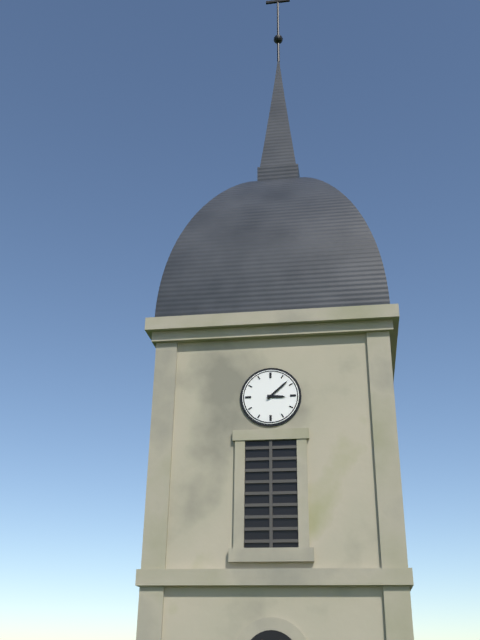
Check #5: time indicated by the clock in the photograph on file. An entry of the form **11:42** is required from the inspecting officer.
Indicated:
**3:08**
